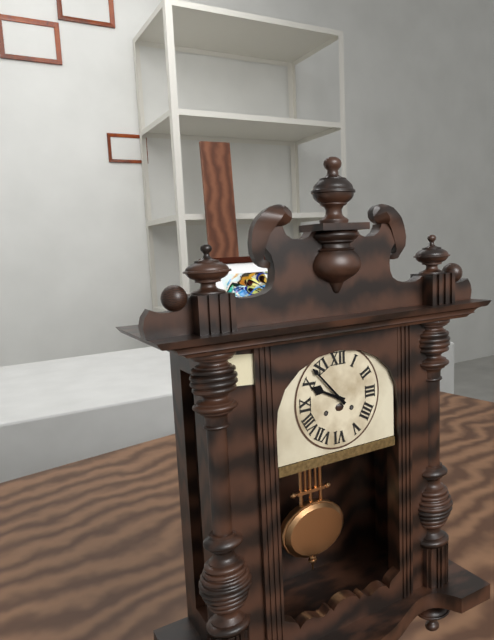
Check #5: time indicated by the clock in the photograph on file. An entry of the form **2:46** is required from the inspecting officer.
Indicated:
**9:53**
